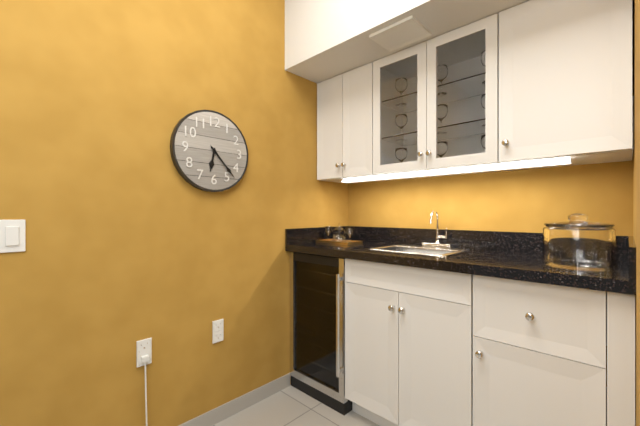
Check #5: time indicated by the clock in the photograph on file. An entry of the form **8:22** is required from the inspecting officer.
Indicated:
**6:23**
